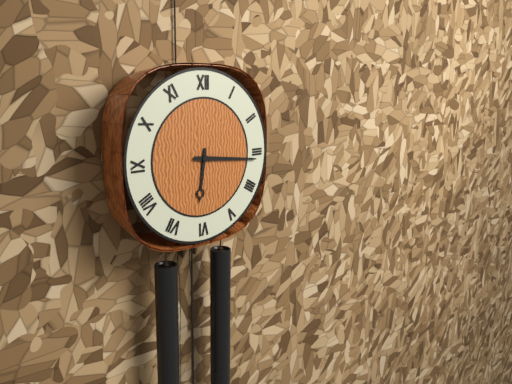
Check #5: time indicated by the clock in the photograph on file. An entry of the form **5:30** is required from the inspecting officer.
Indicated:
**6:16**
